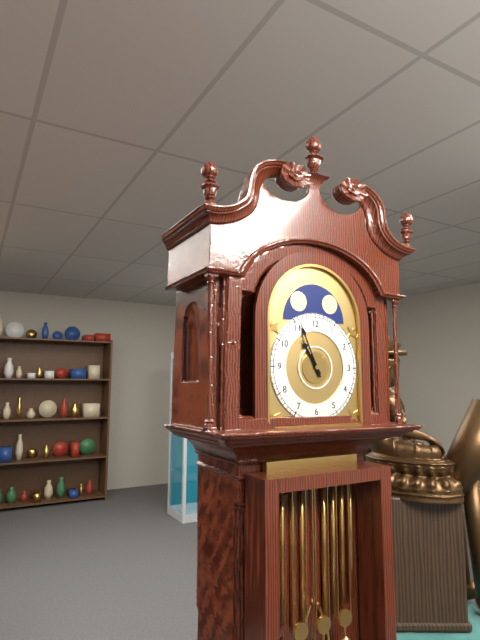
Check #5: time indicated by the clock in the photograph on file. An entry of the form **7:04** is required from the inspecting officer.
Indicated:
**10:56**
